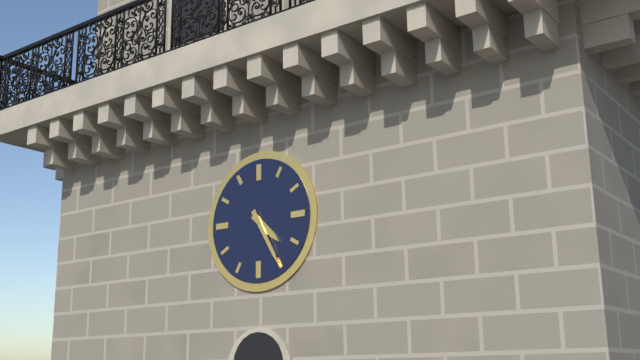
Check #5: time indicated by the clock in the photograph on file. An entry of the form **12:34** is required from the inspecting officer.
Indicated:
**4:25**
